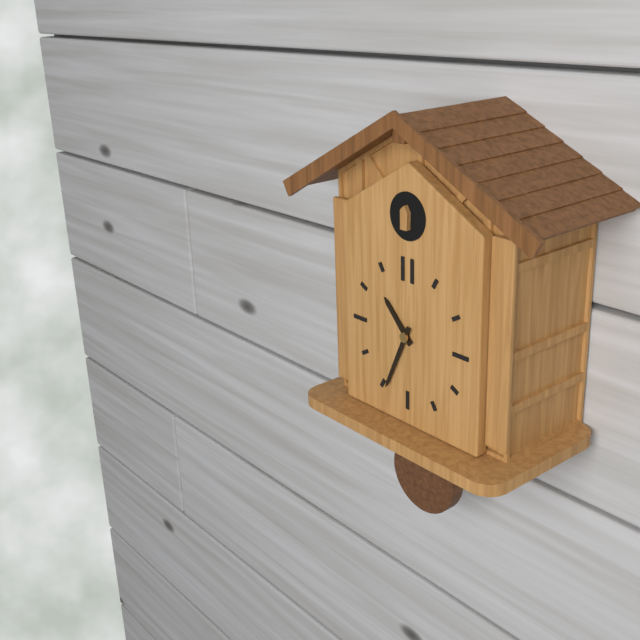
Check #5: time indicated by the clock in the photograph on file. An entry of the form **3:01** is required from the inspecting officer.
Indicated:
**10:34**
